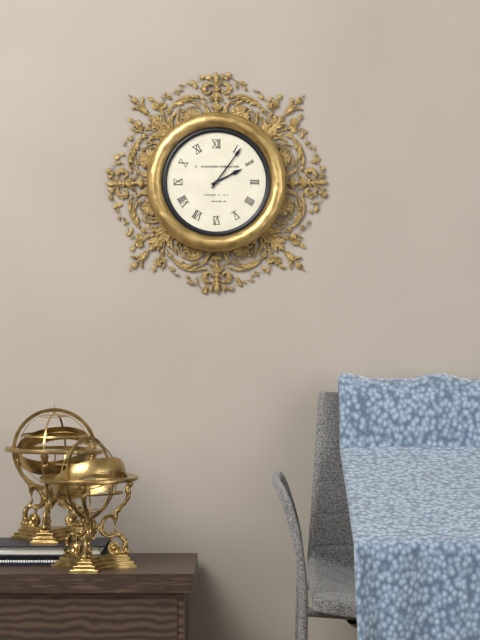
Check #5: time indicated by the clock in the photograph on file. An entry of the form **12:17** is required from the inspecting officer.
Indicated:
**2:06**
